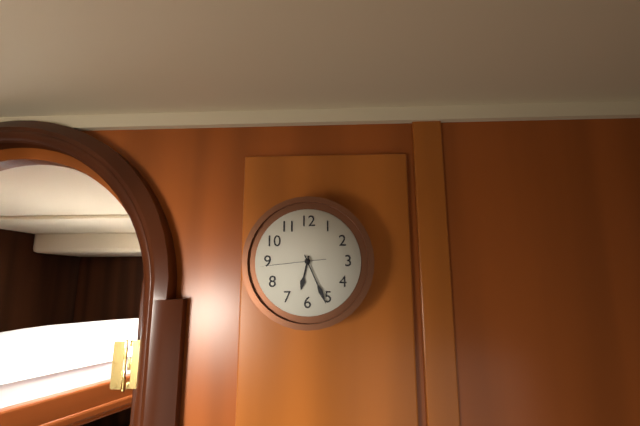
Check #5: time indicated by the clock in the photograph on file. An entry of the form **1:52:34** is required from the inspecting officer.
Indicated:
**6:26:44**
